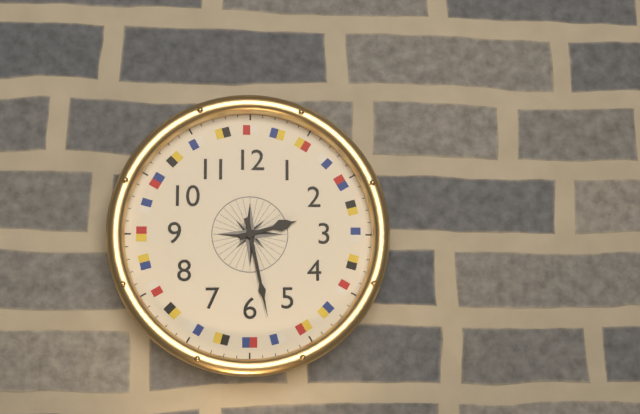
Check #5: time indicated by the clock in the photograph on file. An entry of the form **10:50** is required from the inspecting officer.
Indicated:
**2:28**
